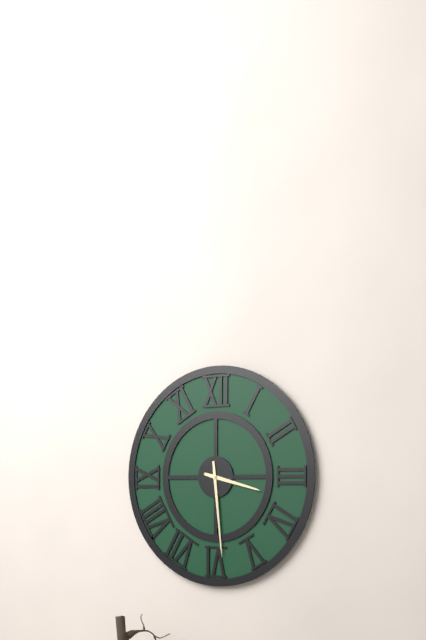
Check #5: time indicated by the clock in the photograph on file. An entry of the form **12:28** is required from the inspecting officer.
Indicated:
**3:29**
